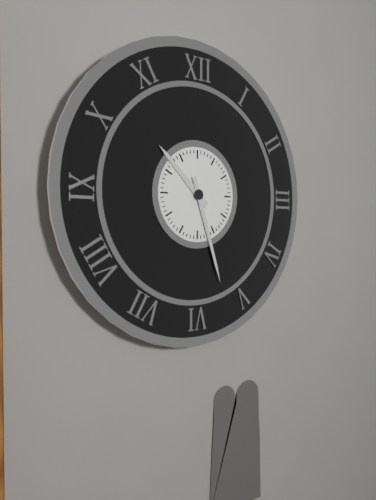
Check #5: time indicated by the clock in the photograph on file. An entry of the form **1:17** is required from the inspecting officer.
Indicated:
**10:27**
